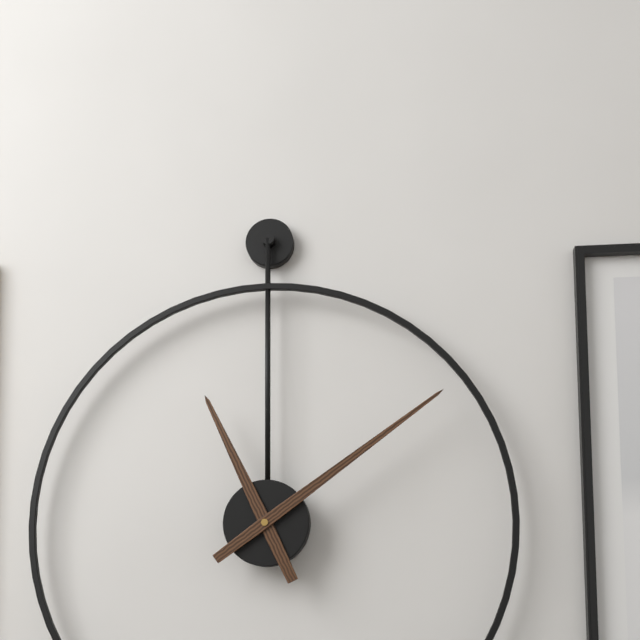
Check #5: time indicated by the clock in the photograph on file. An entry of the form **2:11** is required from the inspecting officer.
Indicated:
**11:09**
